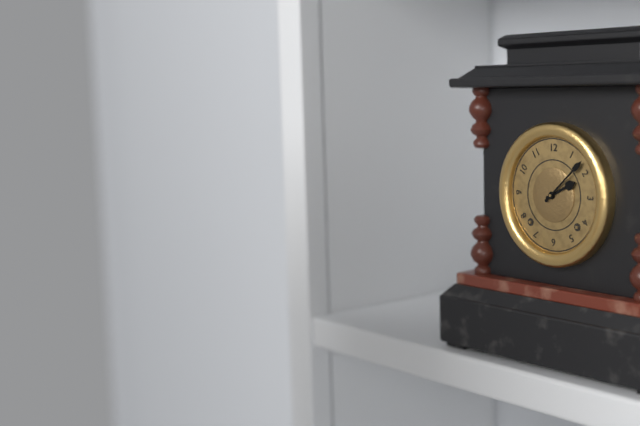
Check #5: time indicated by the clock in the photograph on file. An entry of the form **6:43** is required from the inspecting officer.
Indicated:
**2:08**
